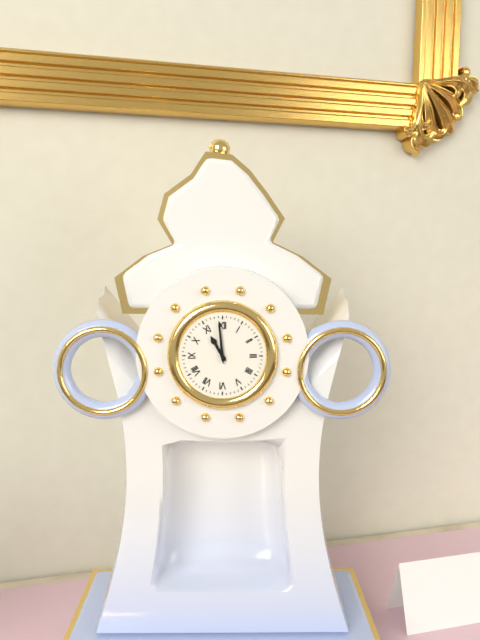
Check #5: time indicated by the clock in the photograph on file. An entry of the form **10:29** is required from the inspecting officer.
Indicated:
**10:59**
